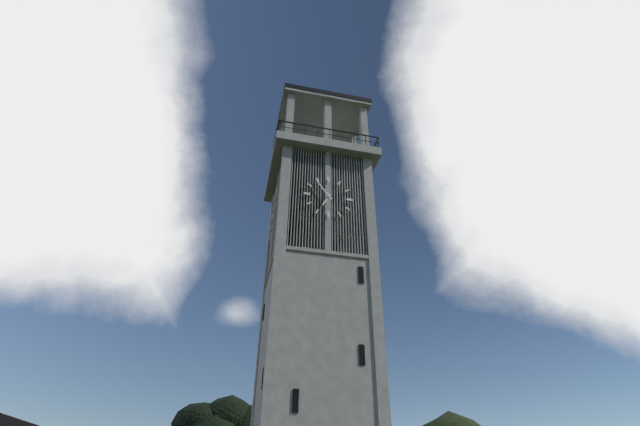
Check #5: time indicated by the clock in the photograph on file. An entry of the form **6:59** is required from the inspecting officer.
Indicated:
**6:54**
